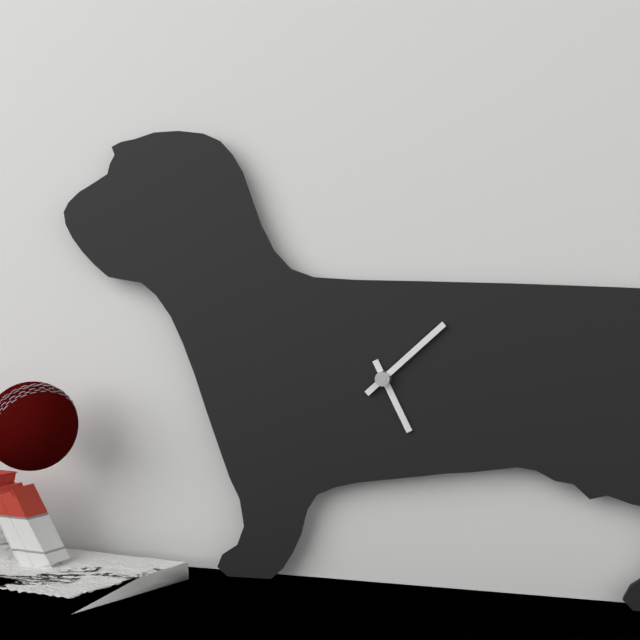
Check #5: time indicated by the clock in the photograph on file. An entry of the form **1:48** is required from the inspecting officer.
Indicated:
**5:08**
